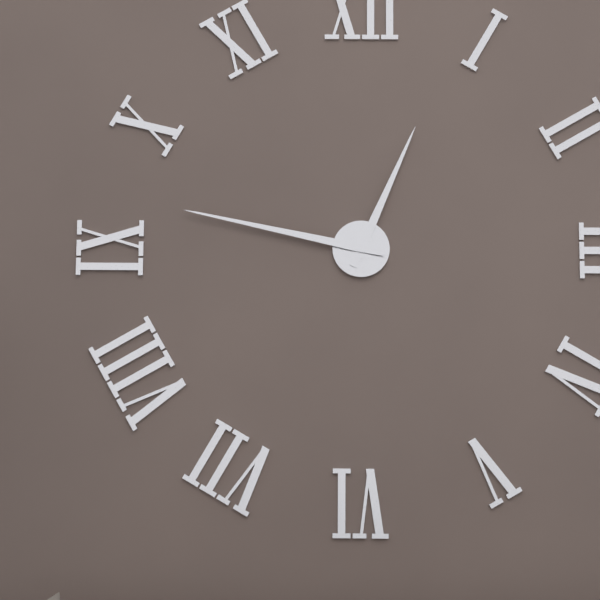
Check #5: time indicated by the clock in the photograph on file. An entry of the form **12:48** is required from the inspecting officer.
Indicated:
**12:47**
